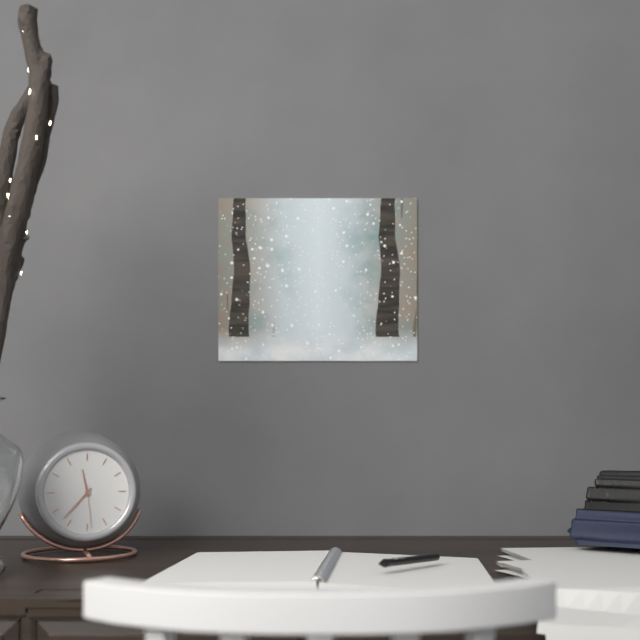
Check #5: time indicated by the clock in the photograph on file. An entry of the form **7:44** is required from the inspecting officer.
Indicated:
**11:37**
